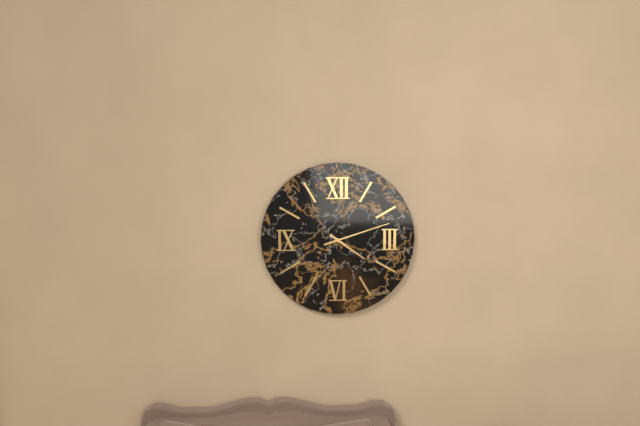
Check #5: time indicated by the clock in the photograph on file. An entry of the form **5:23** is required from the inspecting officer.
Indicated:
**4:12**
